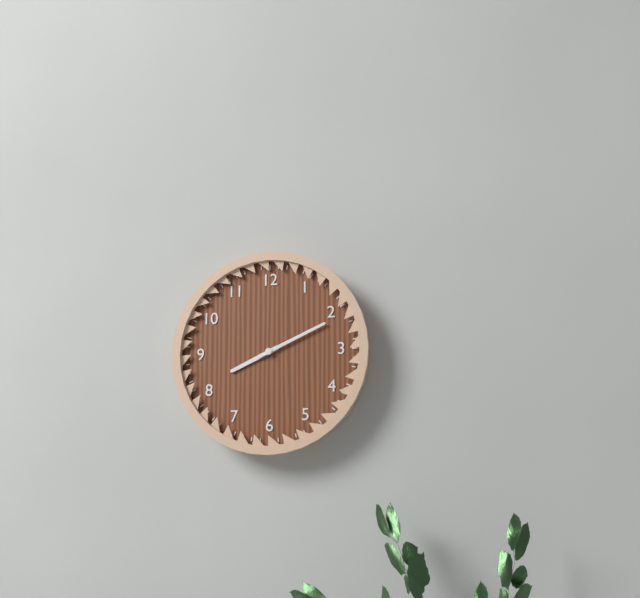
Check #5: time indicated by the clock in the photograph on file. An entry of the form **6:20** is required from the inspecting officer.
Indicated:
**8:11**
